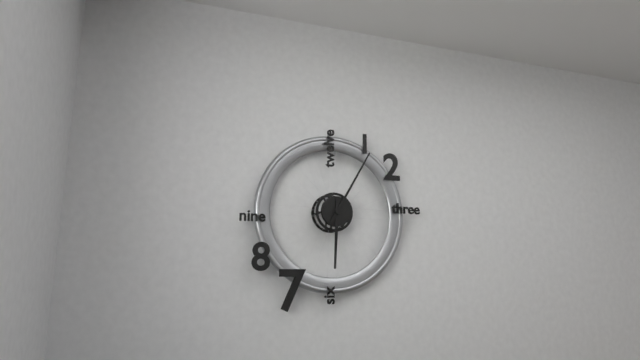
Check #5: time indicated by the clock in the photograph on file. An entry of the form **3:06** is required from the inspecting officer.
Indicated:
**6:05**
